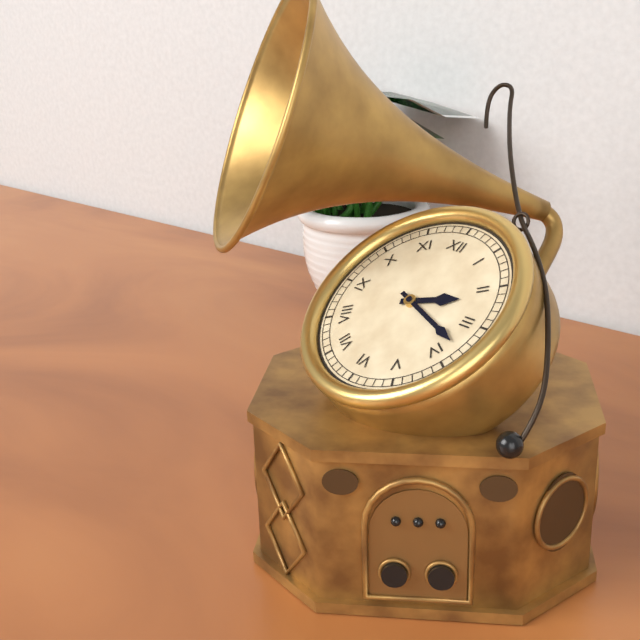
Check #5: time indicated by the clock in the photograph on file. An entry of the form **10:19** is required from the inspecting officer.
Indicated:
**2:18**
